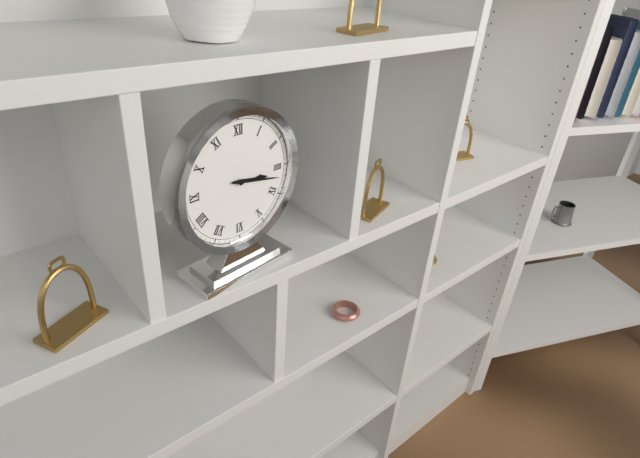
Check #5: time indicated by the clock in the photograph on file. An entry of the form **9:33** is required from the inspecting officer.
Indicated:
**3:17**
